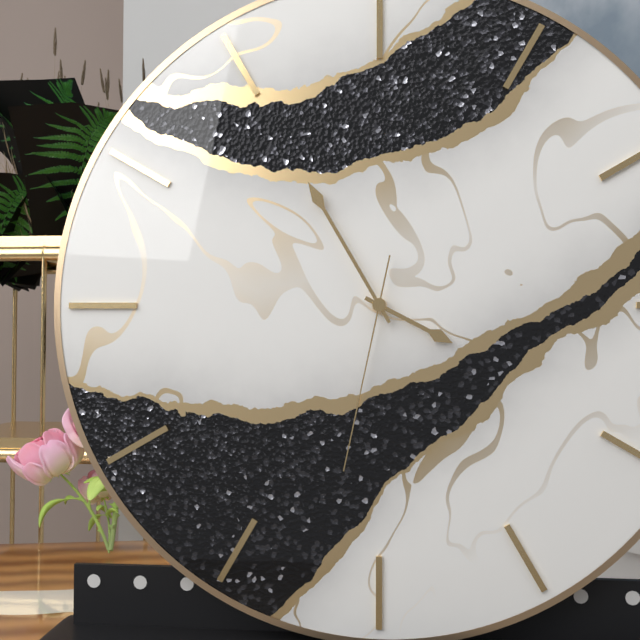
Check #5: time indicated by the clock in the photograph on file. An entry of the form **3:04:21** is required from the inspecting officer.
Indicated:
**3:55:32**
